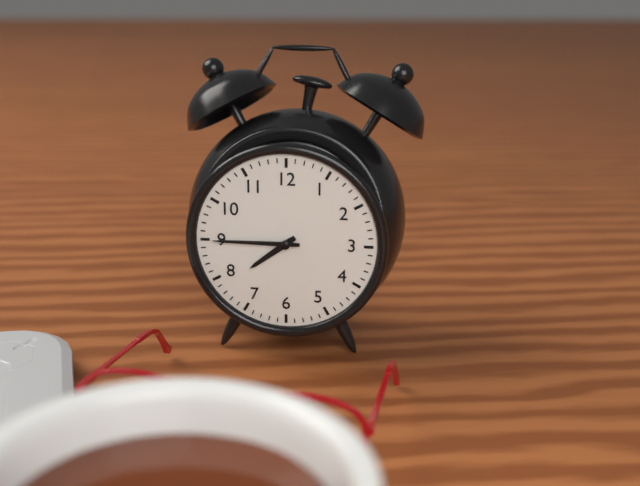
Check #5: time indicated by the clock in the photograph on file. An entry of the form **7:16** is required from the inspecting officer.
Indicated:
**7:45**
